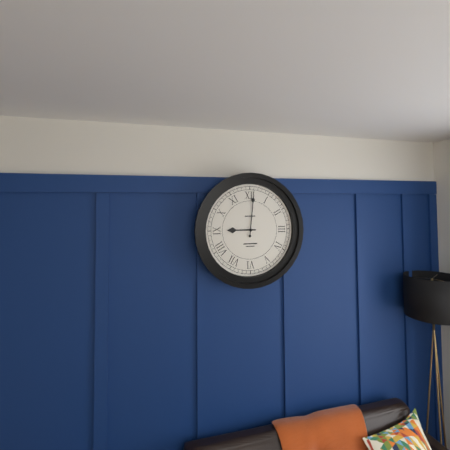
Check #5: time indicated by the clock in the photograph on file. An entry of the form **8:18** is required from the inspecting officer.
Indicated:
**9:01**
